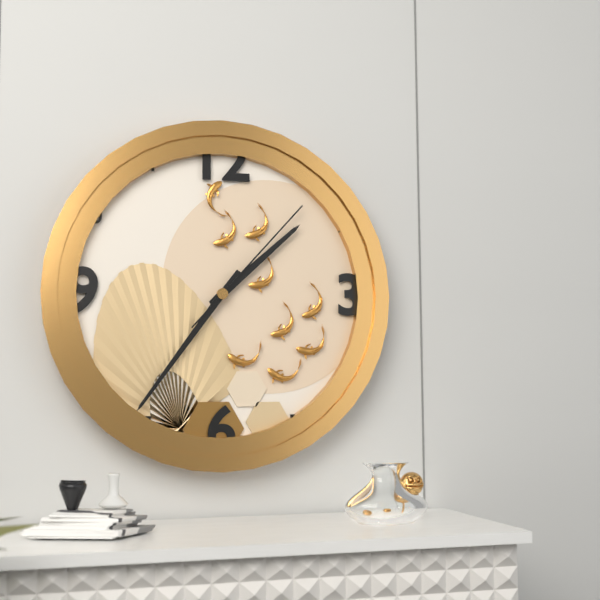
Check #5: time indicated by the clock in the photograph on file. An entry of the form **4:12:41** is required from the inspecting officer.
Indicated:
**1:36:07**
